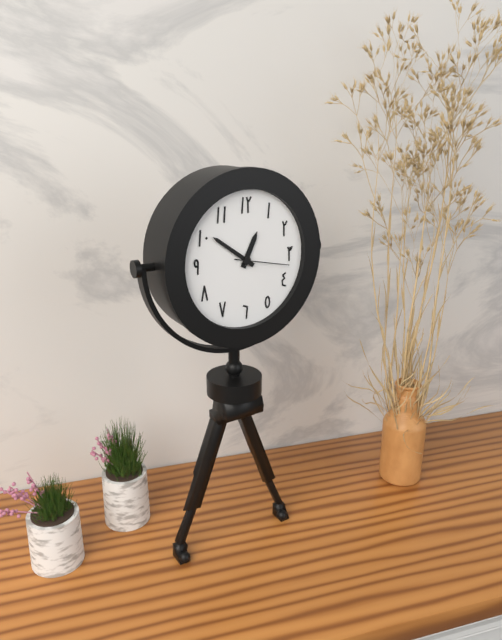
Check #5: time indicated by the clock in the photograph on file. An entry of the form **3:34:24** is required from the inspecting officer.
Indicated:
**12:51:17**
